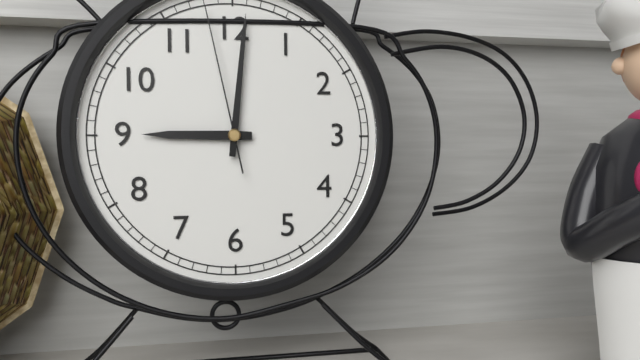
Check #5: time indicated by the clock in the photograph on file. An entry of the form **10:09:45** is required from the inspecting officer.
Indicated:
**9:01:58**
